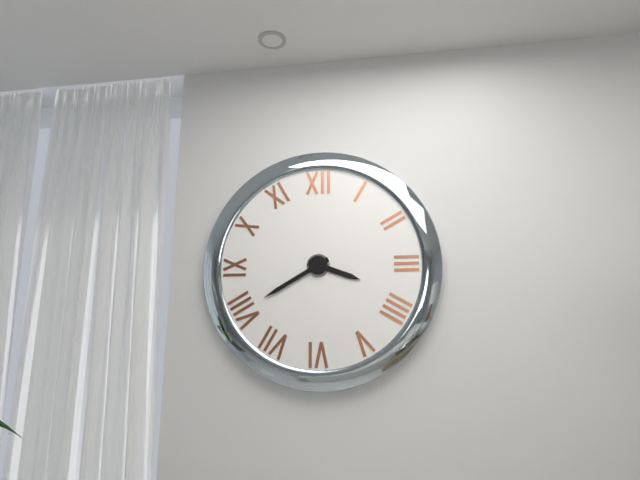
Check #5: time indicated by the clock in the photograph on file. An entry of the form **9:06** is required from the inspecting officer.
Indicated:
**3:40**
